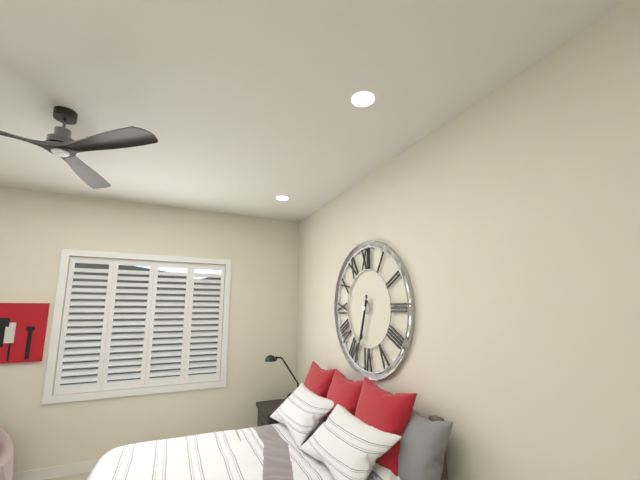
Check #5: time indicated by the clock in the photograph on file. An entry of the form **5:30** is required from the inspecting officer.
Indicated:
**6:33**
